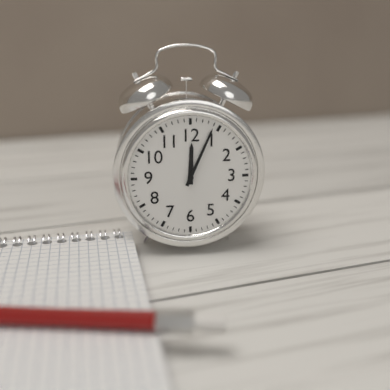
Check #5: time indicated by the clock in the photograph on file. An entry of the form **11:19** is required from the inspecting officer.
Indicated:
**12:04**
